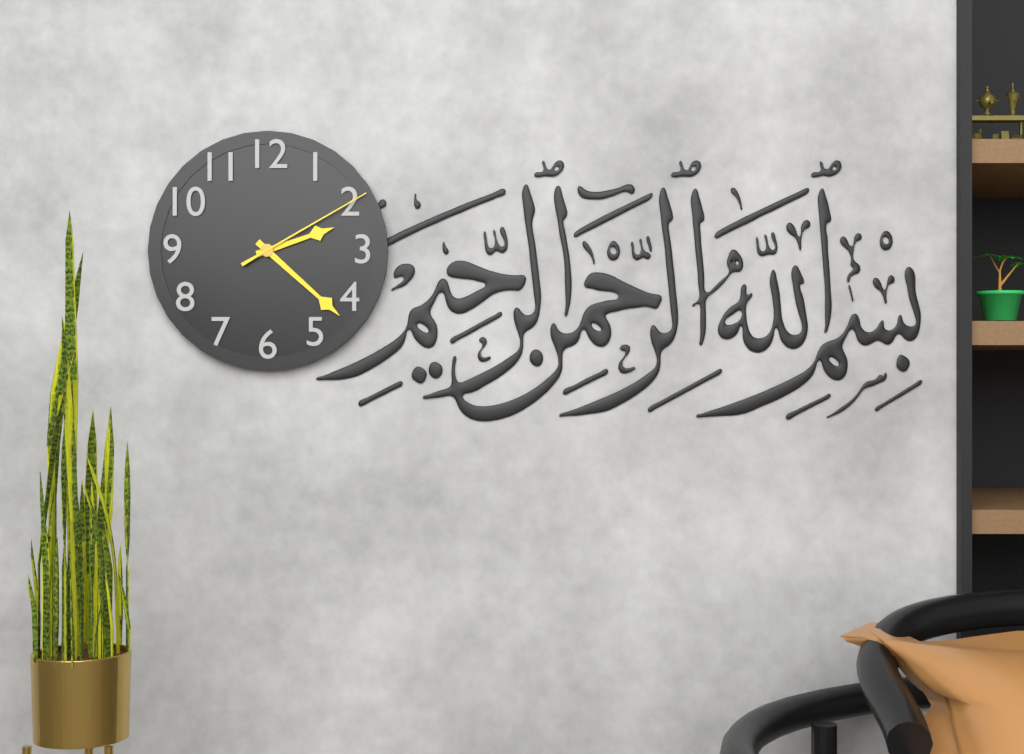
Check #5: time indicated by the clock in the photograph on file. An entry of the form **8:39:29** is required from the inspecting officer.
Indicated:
**2:22:10**
